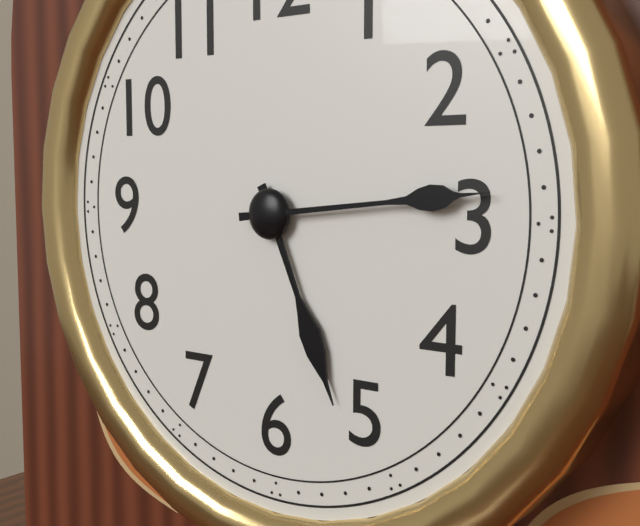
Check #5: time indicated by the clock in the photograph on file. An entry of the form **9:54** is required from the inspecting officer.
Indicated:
**5:14**
